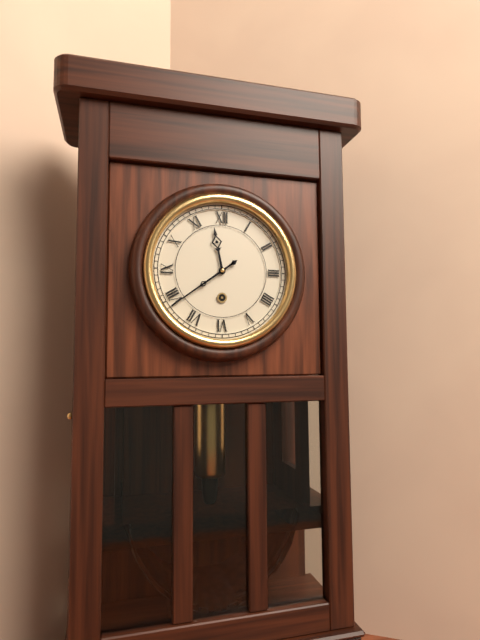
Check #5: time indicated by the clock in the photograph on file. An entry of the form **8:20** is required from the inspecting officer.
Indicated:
**11:39**
